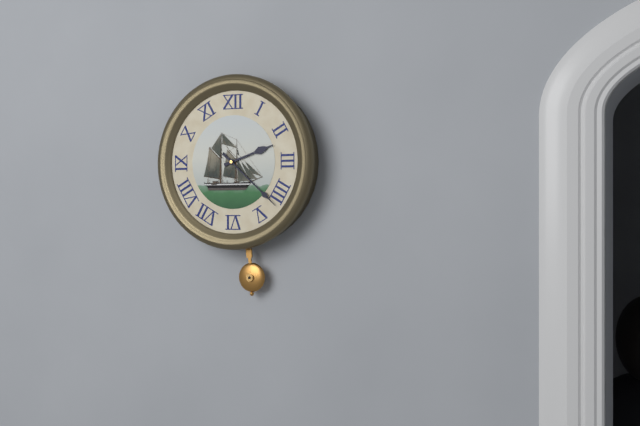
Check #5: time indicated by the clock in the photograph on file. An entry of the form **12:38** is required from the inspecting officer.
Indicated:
**2:22**
